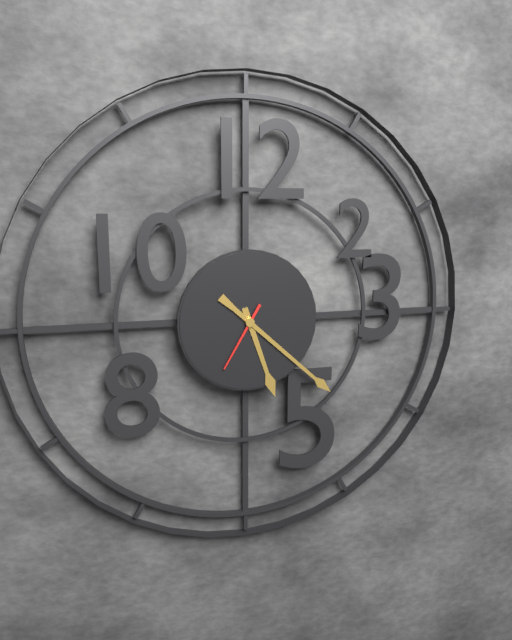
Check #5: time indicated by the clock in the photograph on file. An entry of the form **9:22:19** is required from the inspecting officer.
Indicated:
**5:22:35**
